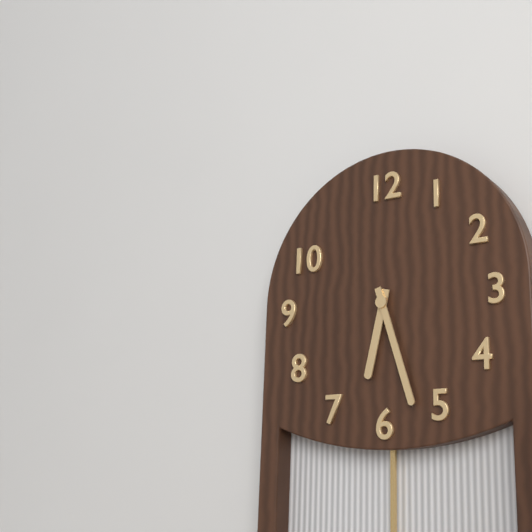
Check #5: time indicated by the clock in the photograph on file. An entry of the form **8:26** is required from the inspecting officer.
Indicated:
**6:27**
